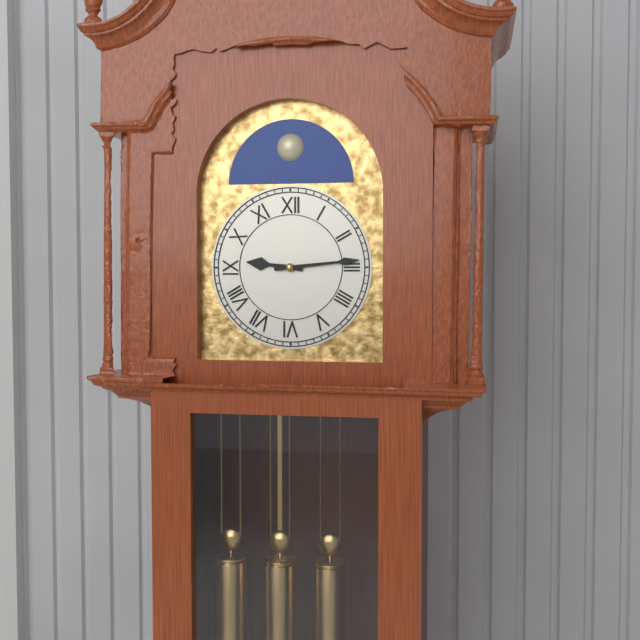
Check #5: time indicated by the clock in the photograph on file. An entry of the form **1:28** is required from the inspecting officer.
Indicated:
**9:14**
